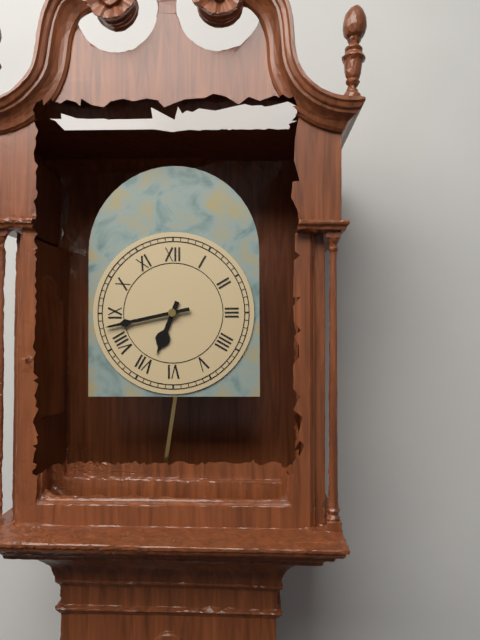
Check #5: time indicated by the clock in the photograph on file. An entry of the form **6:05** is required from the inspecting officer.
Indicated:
**6:43**
